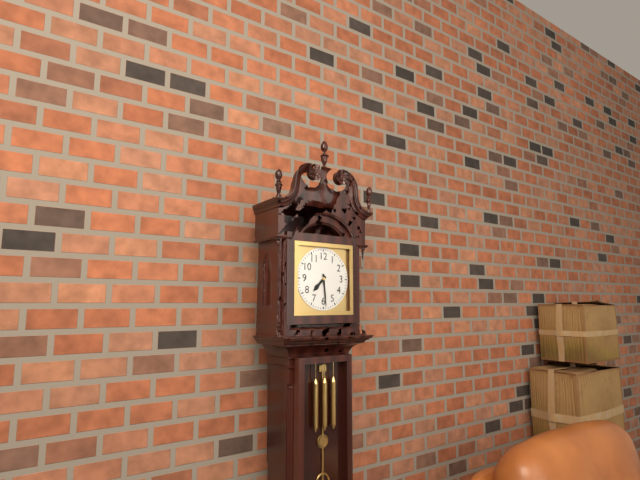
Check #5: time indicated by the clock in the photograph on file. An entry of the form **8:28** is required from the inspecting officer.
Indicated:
**7:29**
